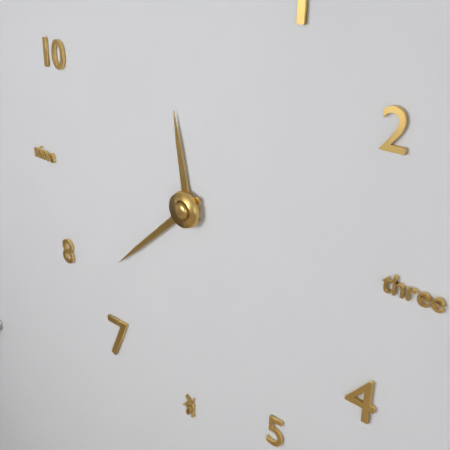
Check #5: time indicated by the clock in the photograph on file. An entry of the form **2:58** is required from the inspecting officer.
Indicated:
**11:38**
